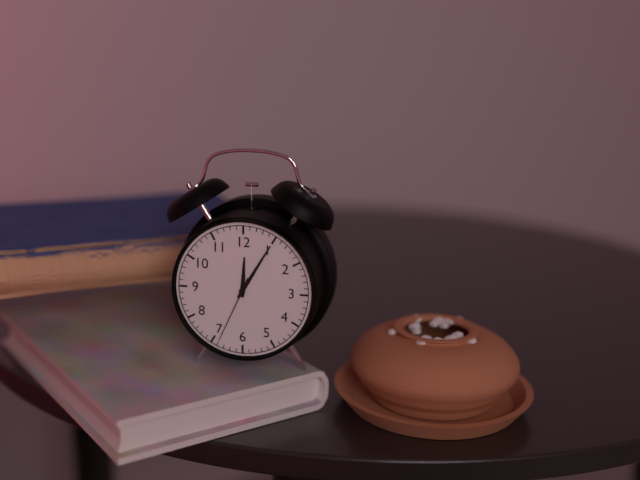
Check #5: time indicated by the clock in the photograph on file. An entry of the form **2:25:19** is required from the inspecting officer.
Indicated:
**12:05:34**
